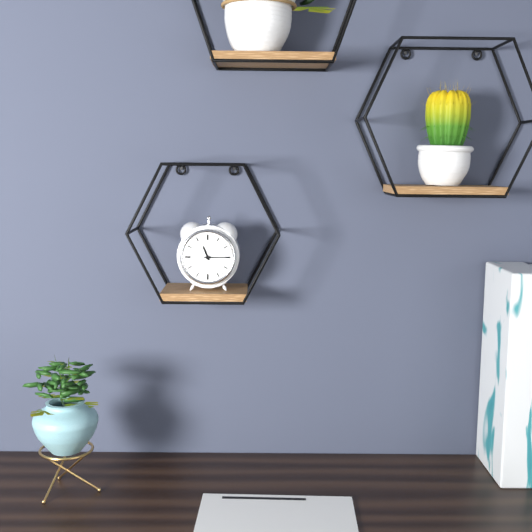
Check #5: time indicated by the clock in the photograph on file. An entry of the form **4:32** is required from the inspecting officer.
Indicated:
**11:15**
